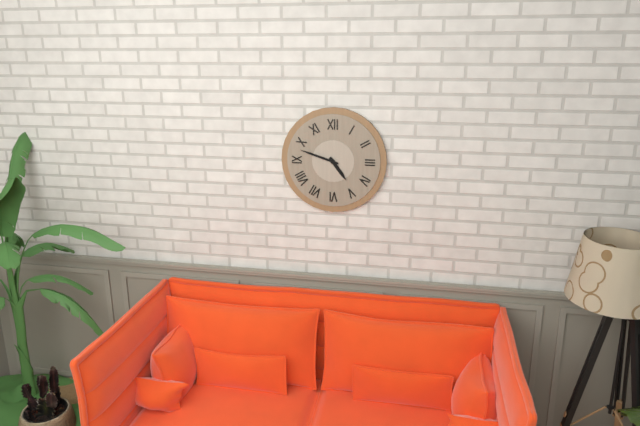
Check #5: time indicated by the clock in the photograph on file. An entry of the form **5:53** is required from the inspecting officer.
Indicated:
**4:48**
